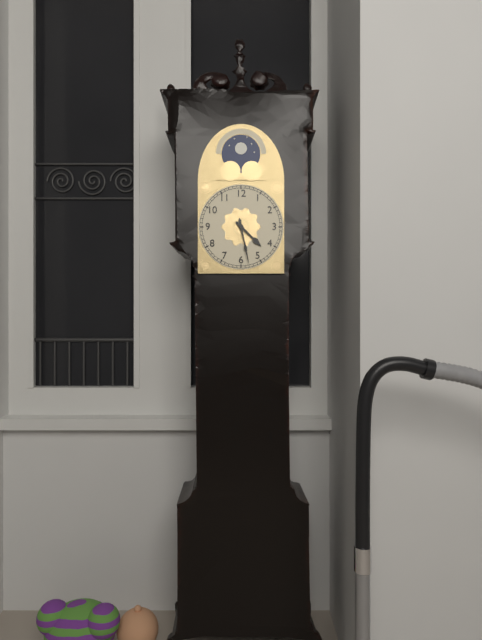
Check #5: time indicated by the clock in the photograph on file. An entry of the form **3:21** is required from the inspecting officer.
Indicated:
**4:28**
